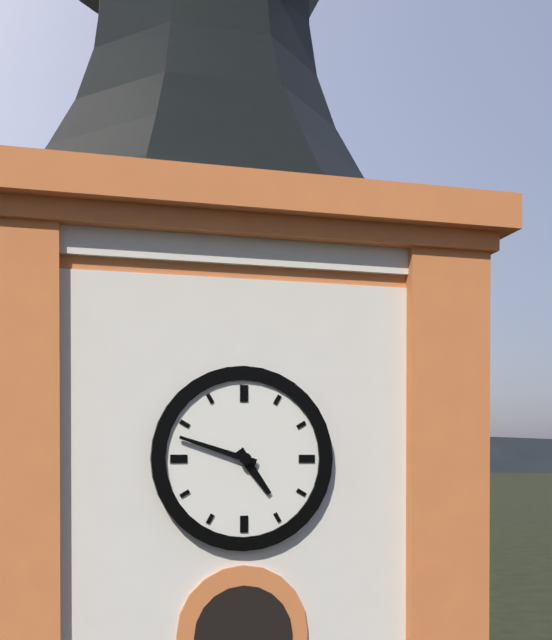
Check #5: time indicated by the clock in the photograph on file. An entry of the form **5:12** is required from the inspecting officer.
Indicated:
**4:48**
